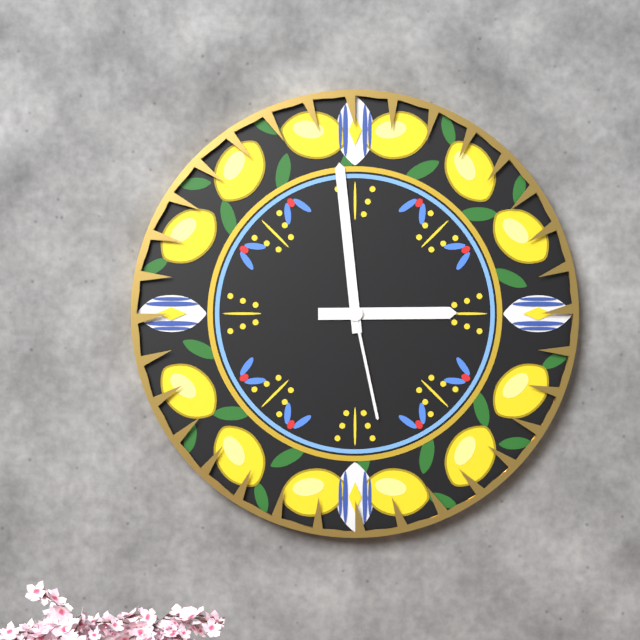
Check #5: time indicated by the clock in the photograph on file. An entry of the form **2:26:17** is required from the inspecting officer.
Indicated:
**2:59:28**
